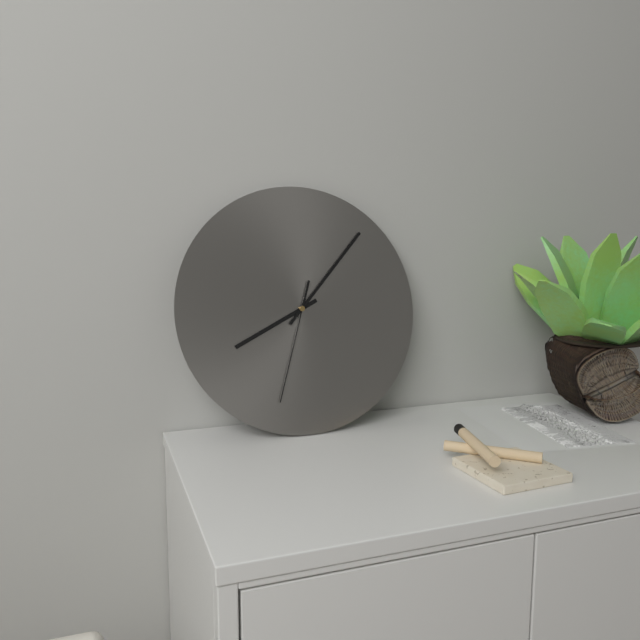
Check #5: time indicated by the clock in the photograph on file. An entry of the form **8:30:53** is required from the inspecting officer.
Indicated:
**8:07:33**
